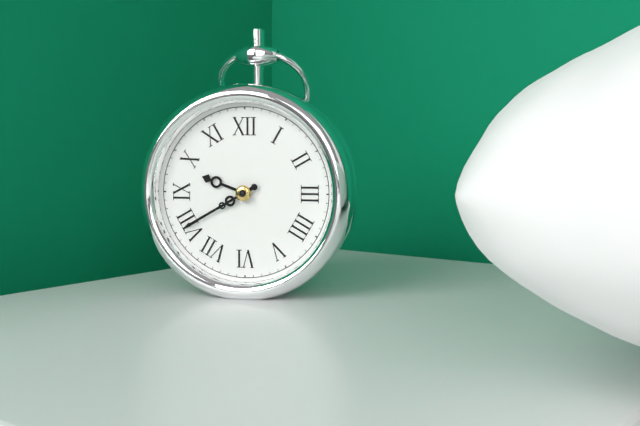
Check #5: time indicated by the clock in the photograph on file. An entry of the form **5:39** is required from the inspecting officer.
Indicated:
**9:40**
